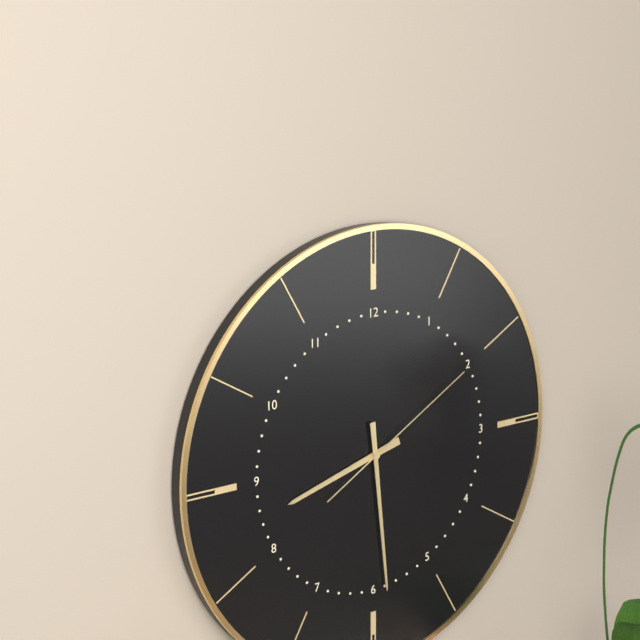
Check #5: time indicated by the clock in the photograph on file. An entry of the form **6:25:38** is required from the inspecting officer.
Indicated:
**8:29:10**
